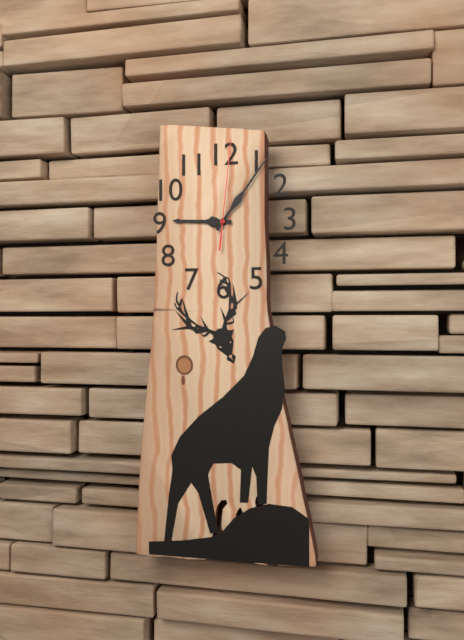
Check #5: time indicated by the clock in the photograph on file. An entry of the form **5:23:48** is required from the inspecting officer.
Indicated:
**9:06:01**
